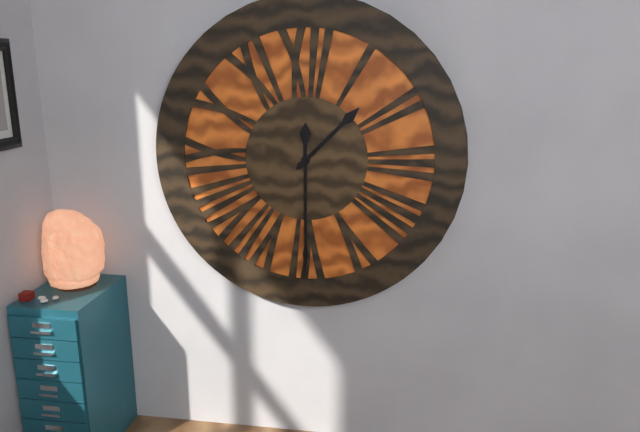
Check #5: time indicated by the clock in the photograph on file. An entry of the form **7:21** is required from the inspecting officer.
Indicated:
**1:30**
